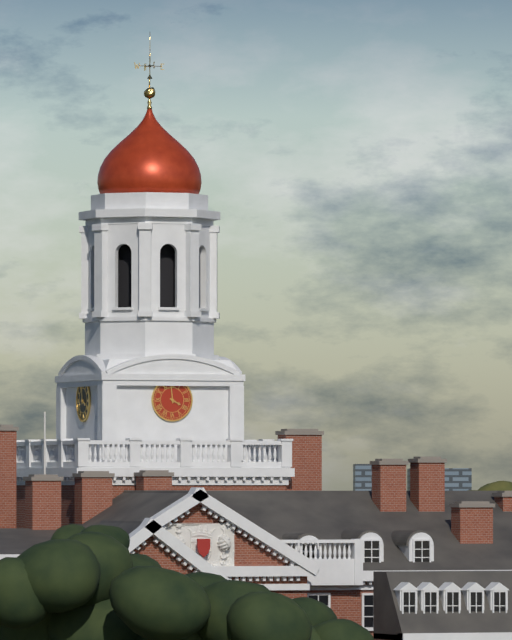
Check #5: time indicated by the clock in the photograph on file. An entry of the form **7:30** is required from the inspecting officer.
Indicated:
**3:59**
